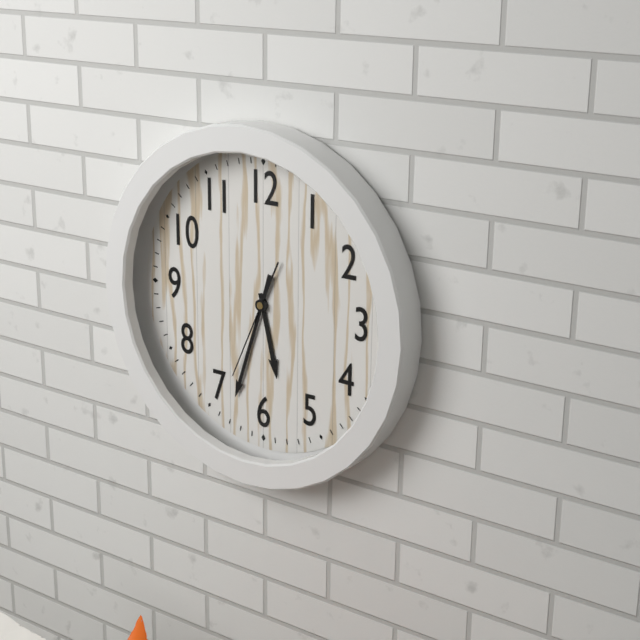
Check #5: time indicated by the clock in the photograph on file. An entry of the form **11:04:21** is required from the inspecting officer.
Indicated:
**5:33:34**
